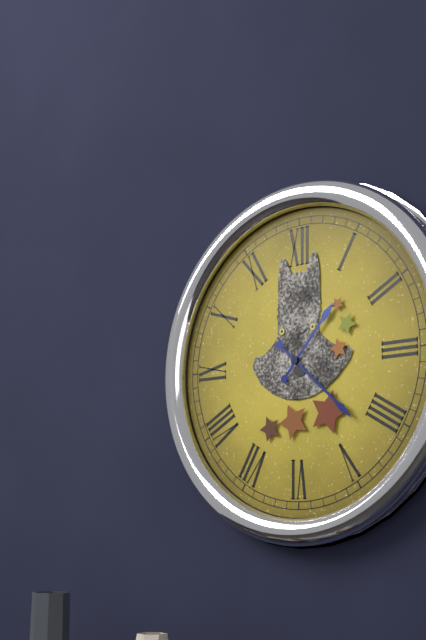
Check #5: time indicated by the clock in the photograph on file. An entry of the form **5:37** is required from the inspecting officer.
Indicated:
**1:22**
